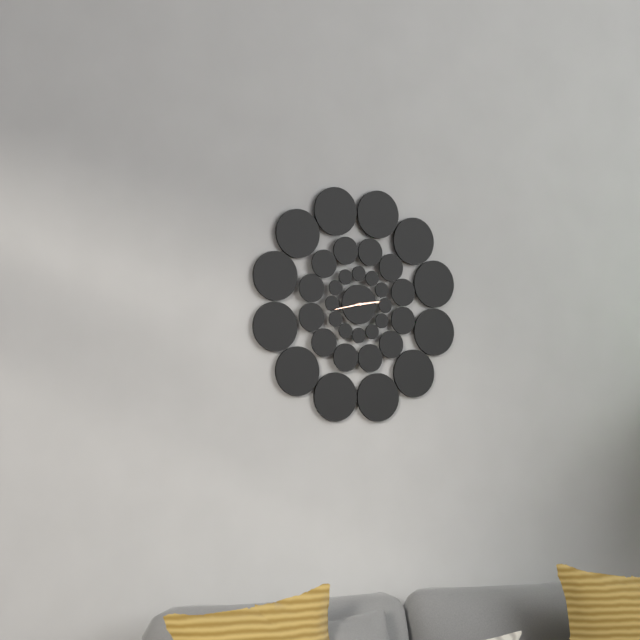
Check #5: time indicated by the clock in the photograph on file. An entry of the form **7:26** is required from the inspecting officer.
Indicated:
**2:43**
